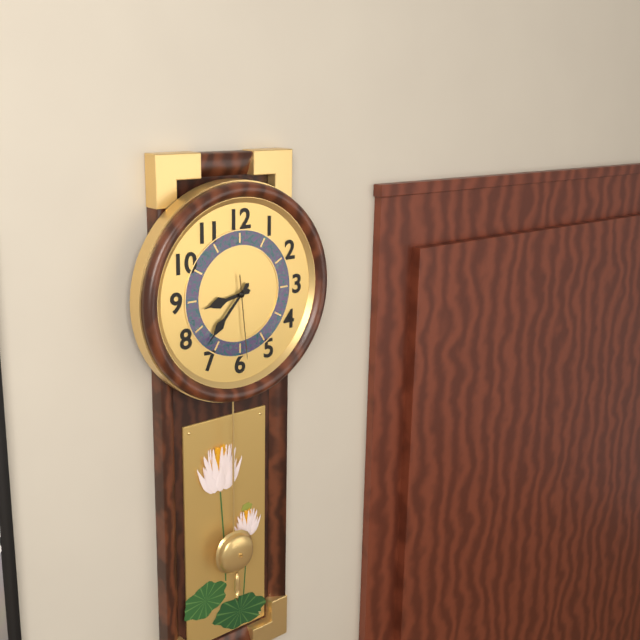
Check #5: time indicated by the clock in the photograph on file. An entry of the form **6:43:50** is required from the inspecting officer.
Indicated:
**8:37:29**
